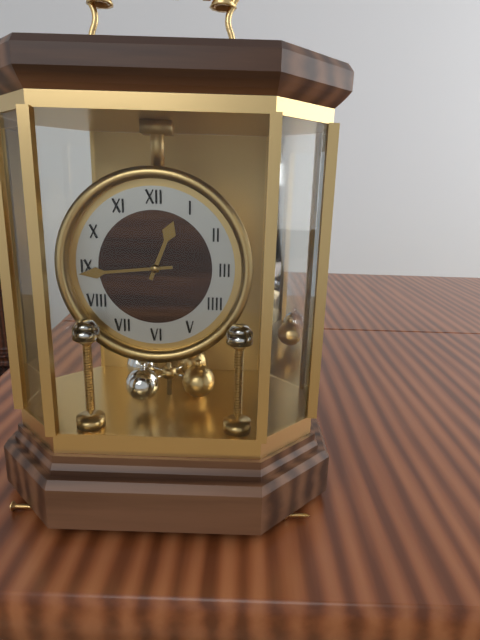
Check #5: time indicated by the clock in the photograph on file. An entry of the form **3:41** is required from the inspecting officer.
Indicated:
**12:44**
